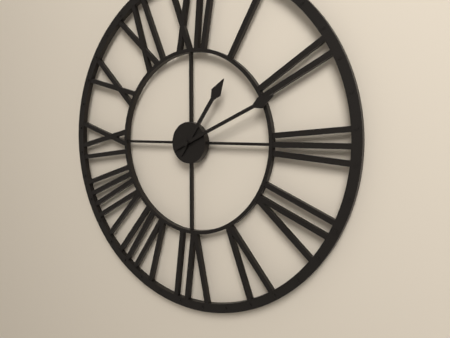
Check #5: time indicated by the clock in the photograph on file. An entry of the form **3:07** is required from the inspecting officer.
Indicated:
**1:11**
